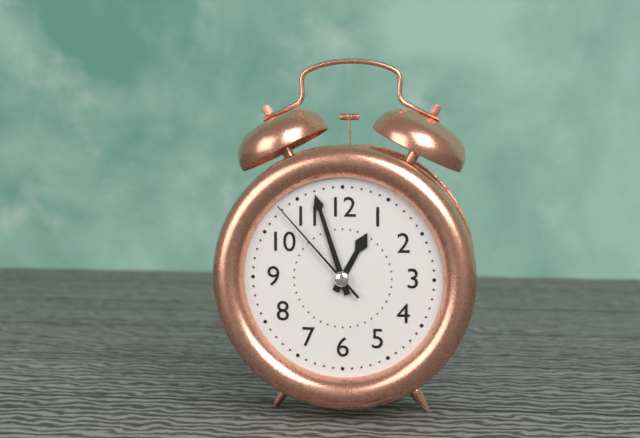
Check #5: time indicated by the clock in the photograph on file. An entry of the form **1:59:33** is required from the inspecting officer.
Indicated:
**12:57:53**
